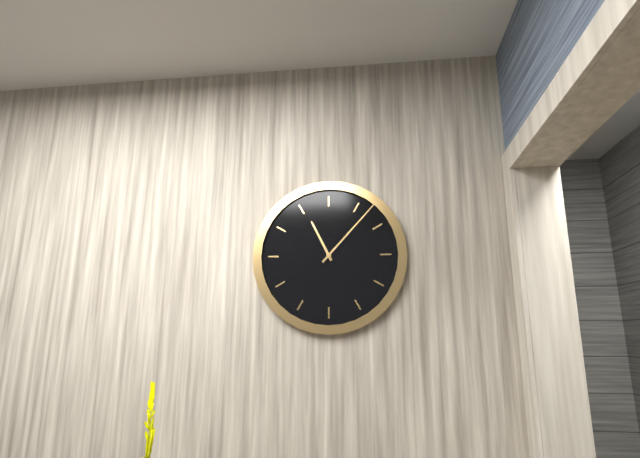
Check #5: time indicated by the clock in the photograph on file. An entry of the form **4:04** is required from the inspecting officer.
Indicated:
**11:07**
